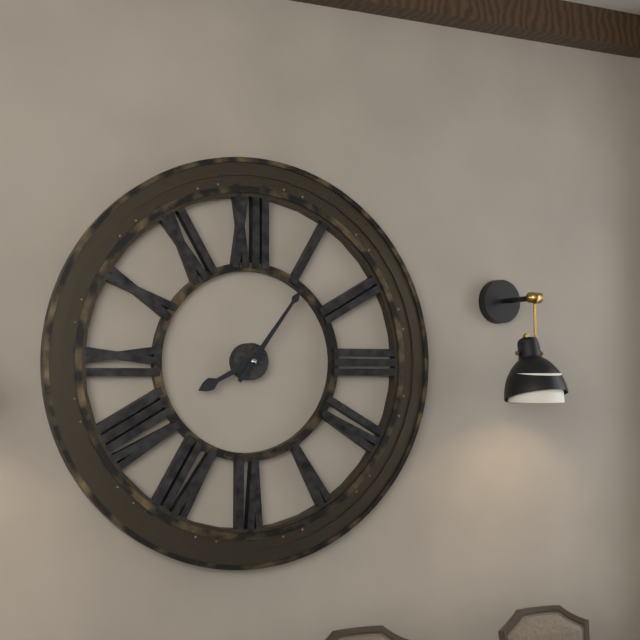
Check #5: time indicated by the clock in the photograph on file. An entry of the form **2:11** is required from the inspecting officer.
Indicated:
**8:06**
